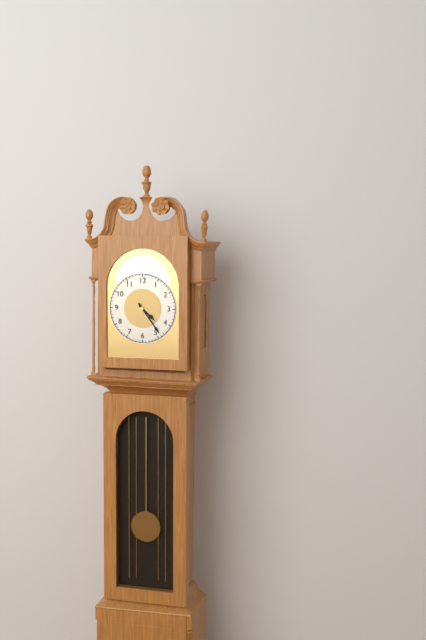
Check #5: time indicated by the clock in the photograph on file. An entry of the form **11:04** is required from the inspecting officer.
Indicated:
**4:24**
